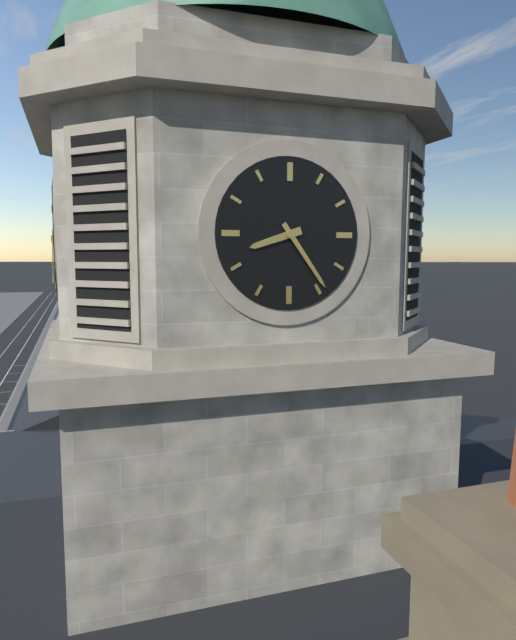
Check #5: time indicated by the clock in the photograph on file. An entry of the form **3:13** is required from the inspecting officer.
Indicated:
**8:24**
